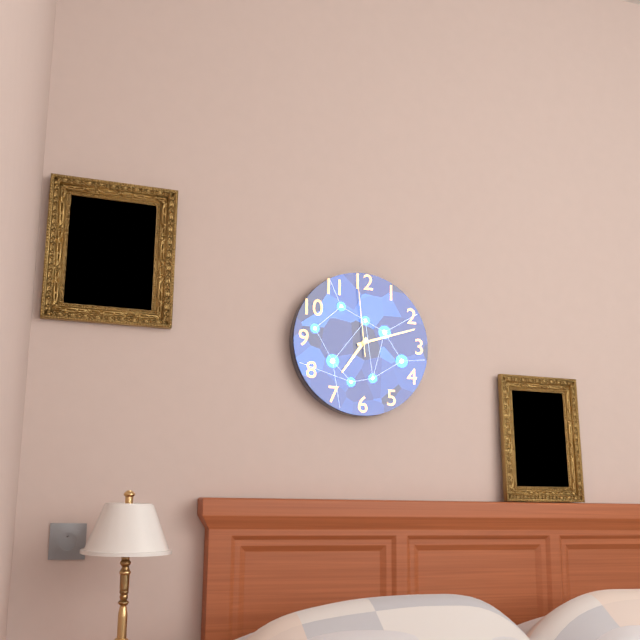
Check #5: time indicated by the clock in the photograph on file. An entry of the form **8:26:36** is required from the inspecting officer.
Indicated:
**7:12:59**
